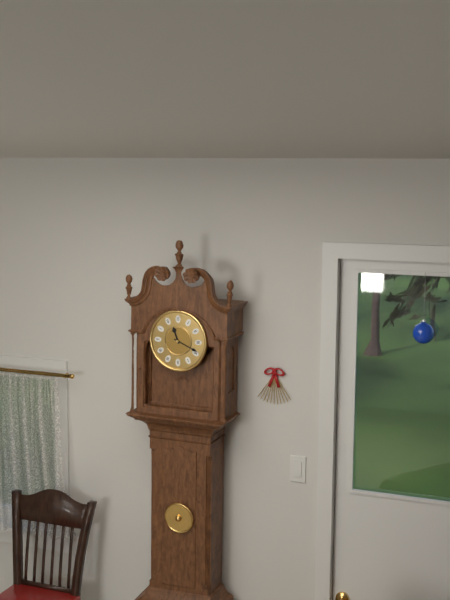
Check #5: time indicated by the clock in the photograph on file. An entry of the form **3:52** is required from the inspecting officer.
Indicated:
**11:19**
